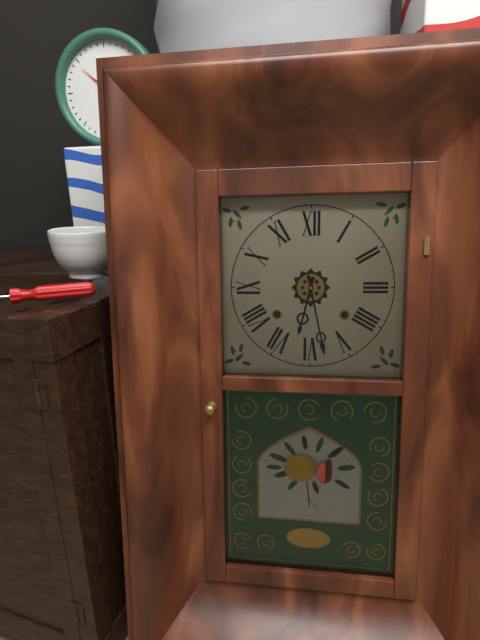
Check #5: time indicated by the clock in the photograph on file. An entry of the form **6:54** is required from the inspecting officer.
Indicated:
**6:28**
